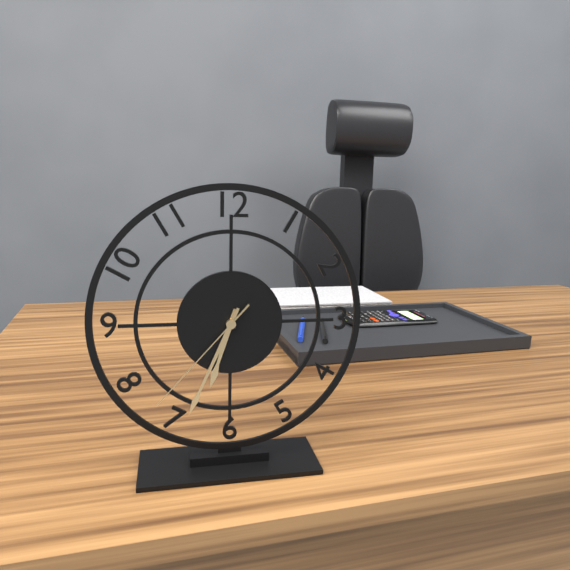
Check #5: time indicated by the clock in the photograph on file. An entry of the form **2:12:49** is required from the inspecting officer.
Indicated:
**6:34:37**
